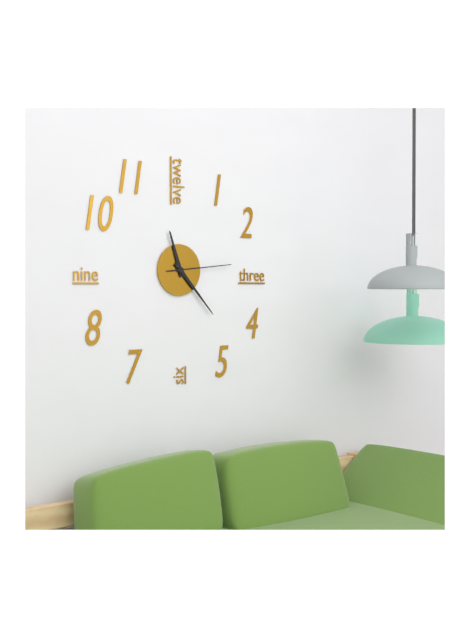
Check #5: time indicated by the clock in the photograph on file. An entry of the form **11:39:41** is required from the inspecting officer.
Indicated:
**11:23:14**
